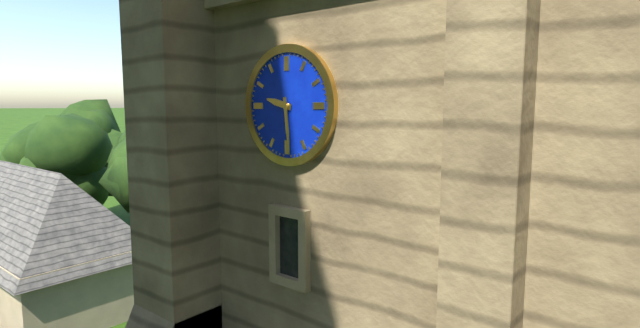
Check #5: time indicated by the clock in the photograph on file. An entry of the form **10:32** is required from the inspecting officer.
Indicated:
**9:29**
